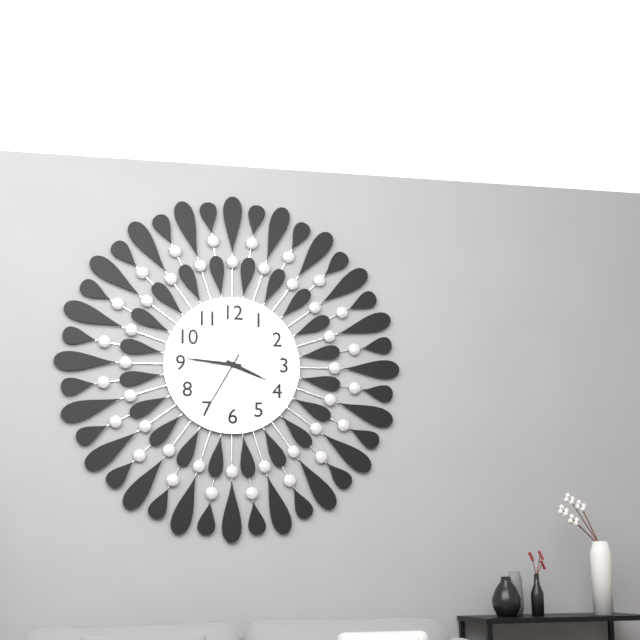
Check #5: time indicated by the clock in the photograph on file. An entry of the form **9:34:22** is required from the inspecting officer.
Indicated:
**3:46:35**
